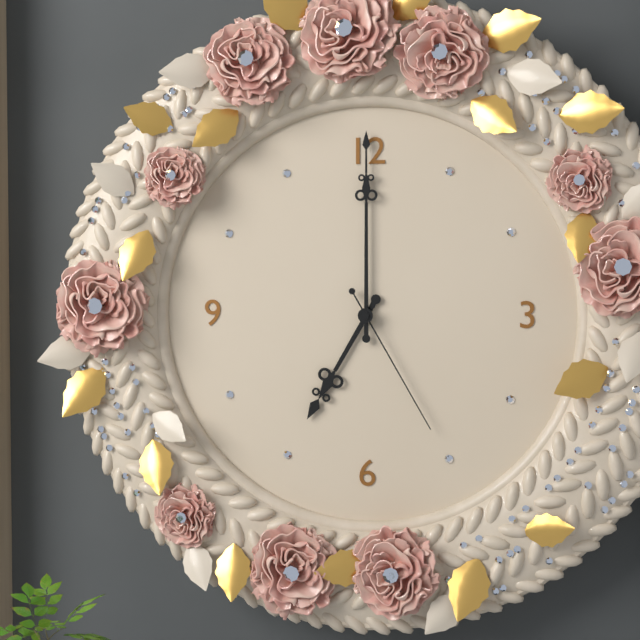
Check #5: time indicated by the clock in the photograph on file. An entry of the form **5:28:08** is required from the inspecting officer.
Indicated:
**7:00:25**
